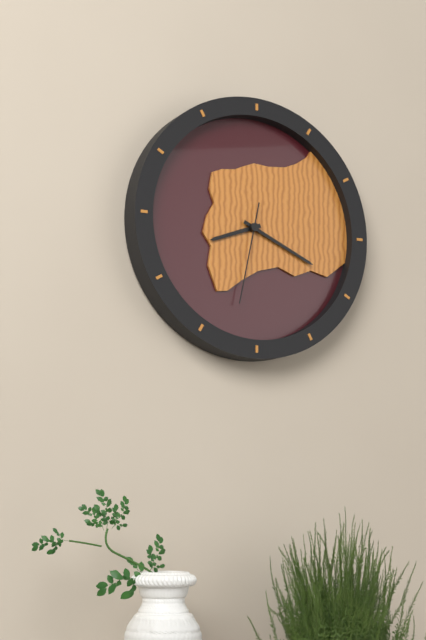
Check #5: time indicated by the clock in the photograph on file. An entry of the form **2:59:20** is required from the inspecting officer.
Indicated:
**8:19:32**
